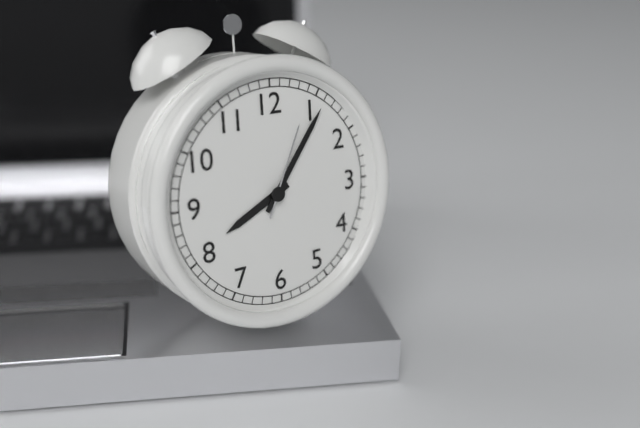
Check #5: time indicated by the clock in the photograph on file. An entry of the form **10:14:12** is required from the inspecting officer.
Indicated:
**8:06:04**
